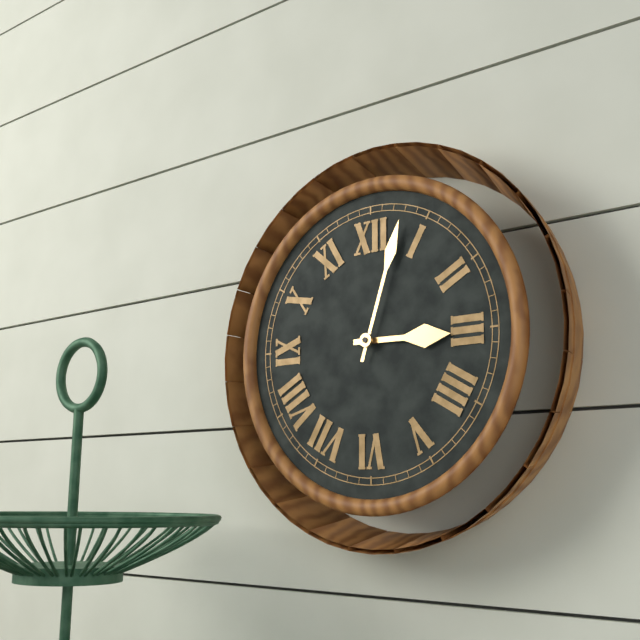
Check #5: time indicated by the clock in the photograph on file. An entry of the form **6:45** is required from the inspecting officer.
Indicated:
**3:03**
